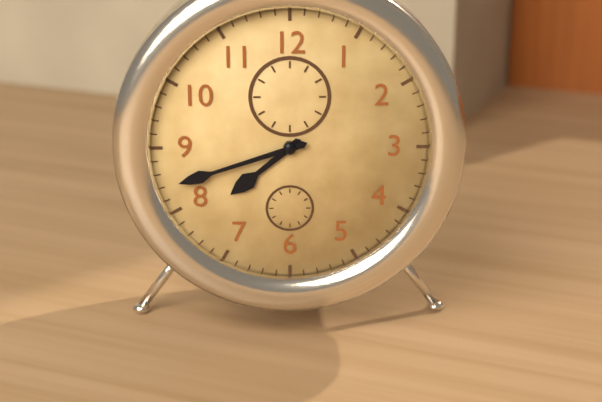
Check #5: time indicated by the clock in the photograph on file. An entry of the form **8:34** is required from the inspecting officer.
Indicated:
**7:42**
